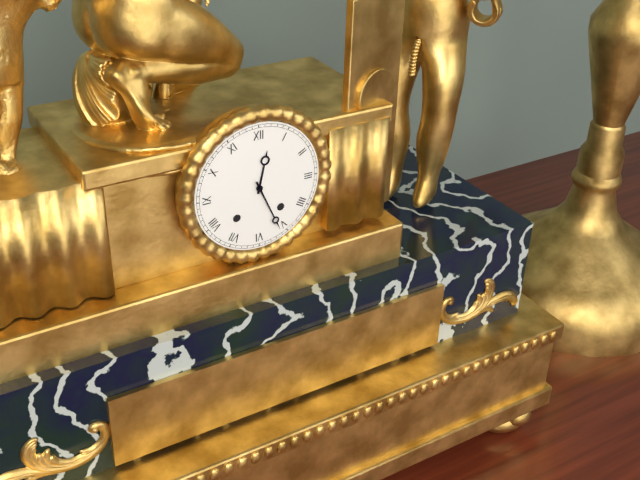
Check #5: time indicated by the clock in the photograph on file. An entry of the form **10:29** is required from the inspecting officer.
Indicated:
**12:26**
